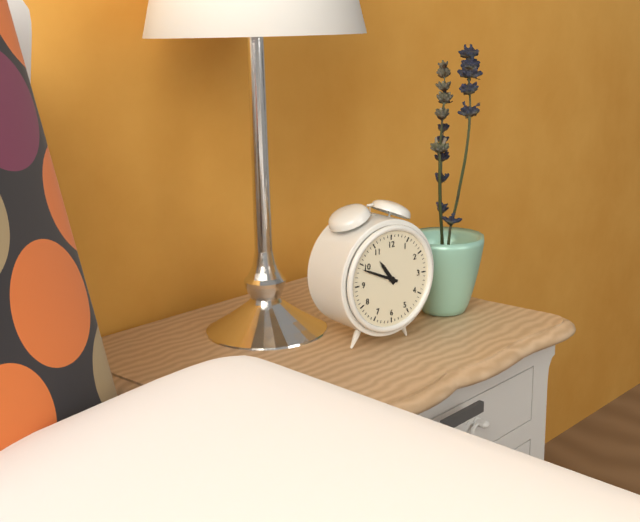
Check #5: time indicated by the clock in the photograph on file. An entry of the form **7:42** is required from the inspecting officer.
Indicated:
**10:49**
